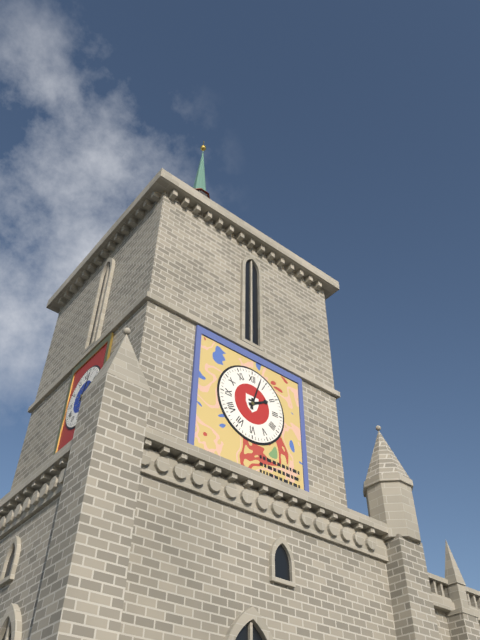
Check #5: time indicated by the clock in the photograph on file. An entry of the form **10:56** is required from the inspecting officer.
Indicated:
**2:03**
